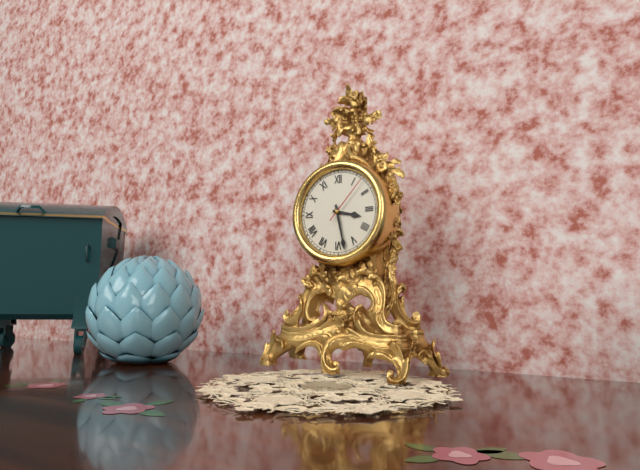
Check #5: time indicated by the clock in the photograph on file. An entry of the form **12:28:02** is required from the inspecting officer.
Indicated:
**3:28:07**
